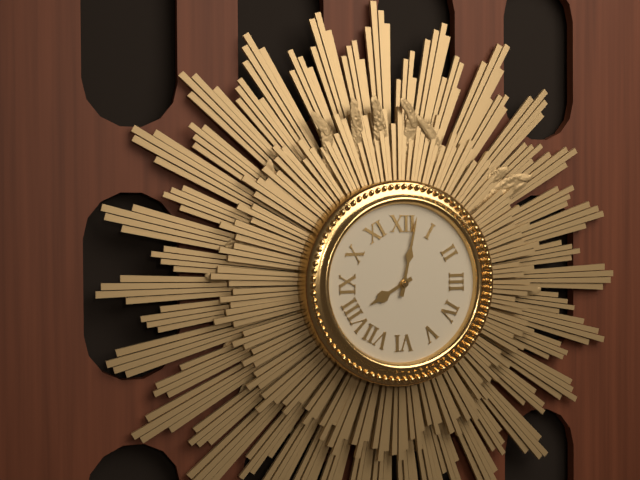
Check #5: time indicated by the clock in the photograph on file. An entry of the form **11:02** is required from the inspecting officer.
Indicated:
**8:02**
